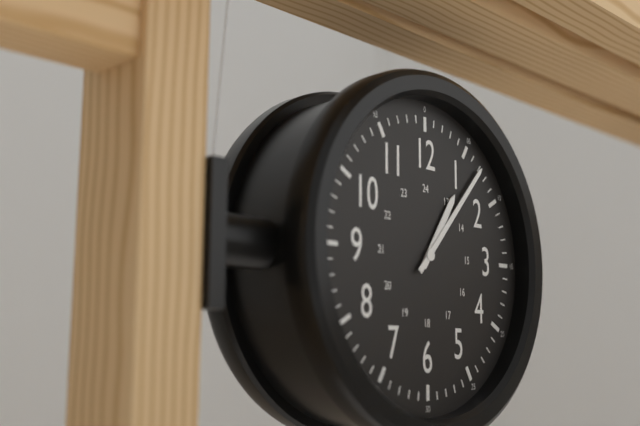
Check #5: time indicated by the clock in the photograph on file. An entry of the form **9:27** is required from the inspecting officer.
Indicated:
**1:07**
